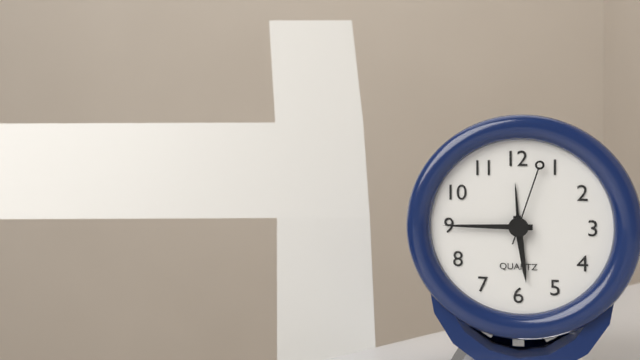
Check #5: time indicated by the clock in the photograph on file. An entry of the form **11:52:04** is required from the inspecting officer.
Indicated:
**5:45:03**
